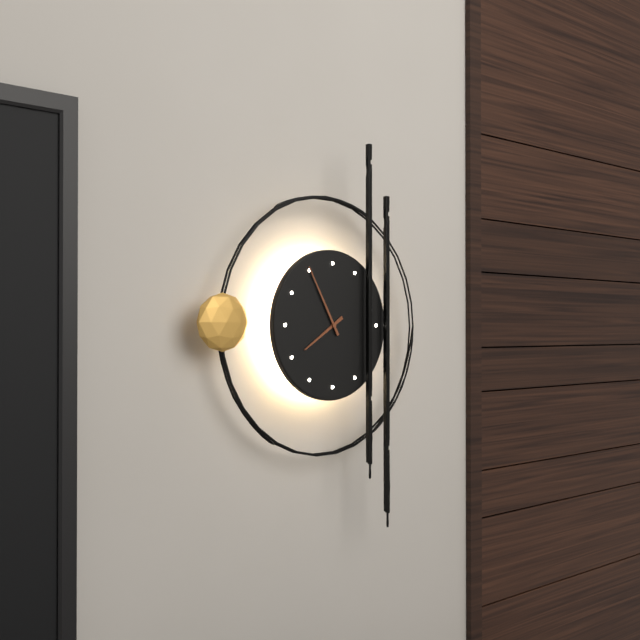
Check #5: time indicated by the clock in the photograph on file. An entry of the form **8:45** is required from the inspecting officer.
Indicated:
**7:55**
